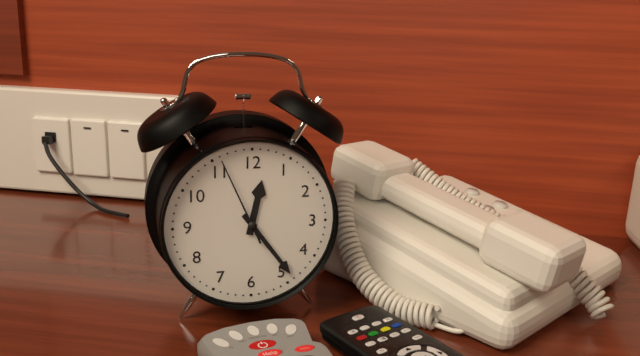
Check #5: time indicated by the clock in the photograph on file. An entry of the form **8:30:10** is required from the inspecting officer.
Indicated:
**12:24:56**
